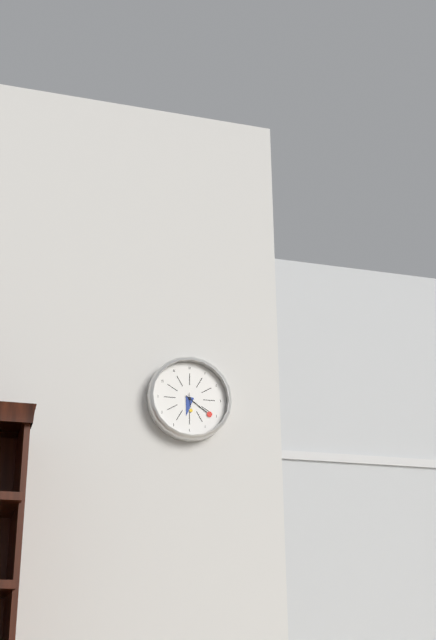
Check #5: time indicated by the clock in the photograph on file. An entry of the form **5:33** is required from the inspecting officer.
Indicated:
**6:21**
